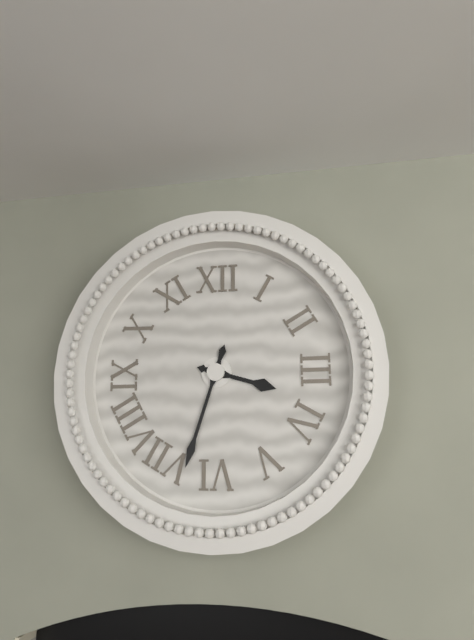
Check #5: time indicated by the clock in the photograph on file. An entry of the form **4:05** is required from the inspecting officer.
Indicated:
**3:33**
